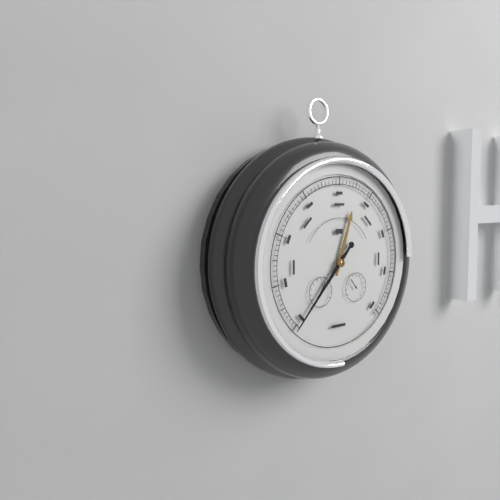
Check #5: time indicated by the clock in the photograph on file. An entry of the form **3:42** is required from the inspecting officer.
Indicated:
**12:37**
